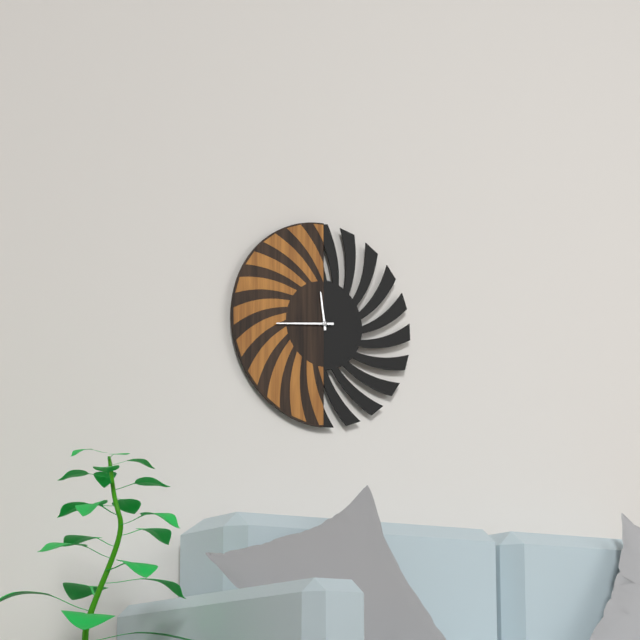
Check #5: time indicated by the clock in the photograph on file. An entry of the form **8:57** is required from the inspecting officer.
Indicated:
**11:44**
